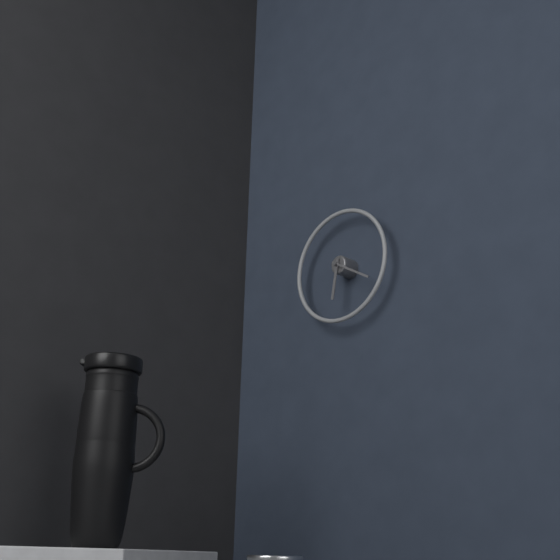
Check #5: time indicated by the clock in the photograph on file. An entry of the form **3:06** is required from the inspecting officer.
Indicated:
**6:20**
